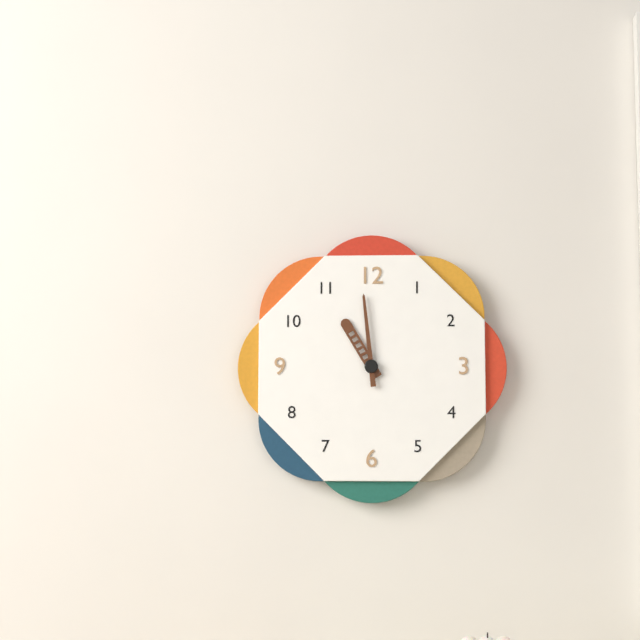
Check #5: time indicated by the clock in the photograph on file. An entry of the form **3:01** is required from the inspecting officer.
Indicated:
**10:59**
